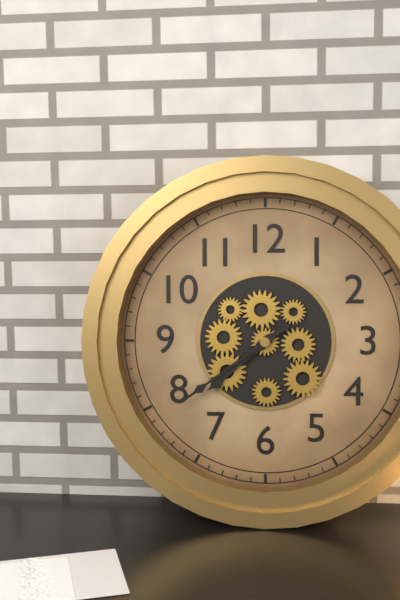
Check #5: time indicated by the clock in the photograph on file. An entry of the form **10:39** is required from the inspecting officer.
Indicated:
**7:39**
